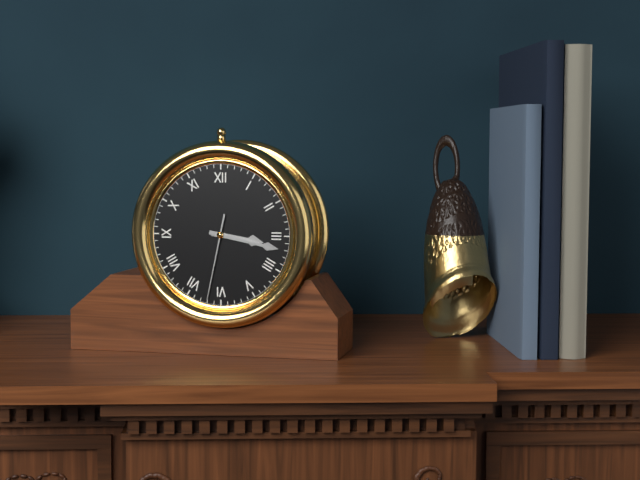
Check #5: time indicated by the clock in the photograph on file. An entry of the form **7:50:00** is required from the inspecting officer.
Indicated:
**3:17:32**
